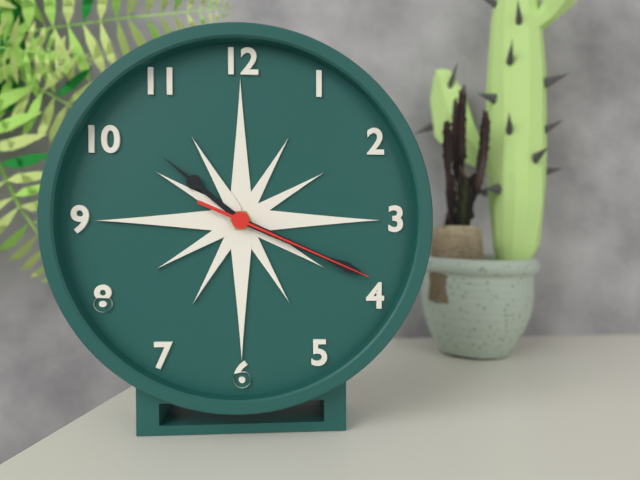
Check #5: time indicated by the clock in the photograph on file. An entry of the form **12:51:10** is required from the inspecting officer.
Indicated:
**10:19:19**
